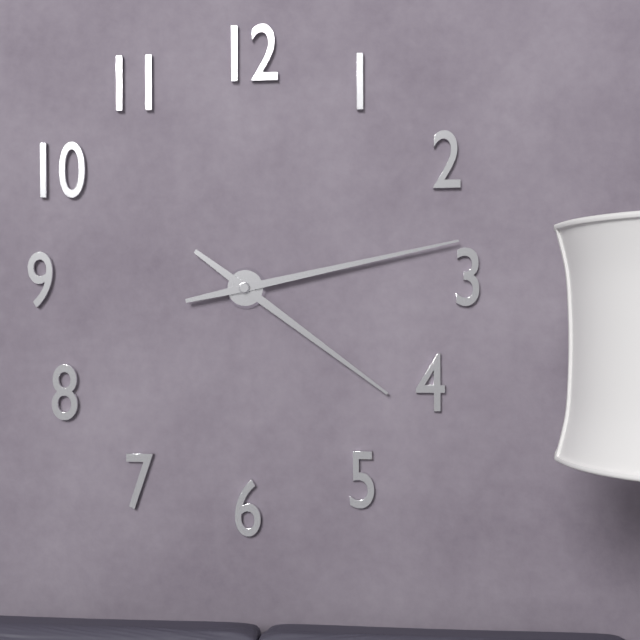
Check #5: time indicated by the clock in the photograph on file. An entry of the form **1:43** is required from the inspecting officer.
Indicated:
**4:13**
